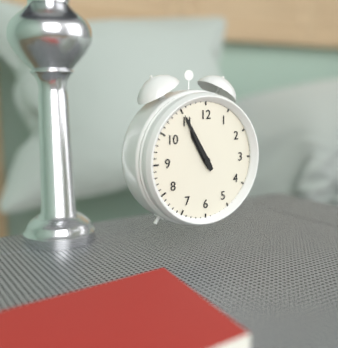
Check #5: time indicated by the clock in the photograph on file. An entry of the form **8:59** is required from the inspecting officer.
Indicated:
**10:55**
